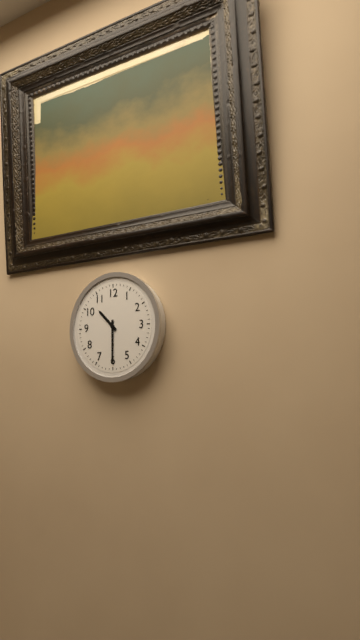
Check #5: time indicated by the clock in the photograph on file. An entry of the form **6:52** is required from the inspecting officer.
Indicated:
**10:30**
